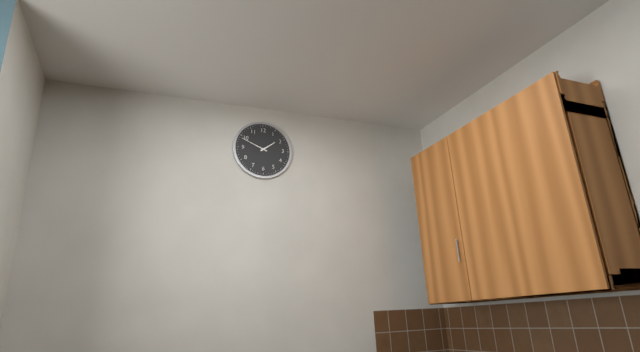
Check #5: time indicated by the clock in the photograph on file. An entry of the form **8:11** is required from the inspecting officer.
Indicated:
**1:49**
